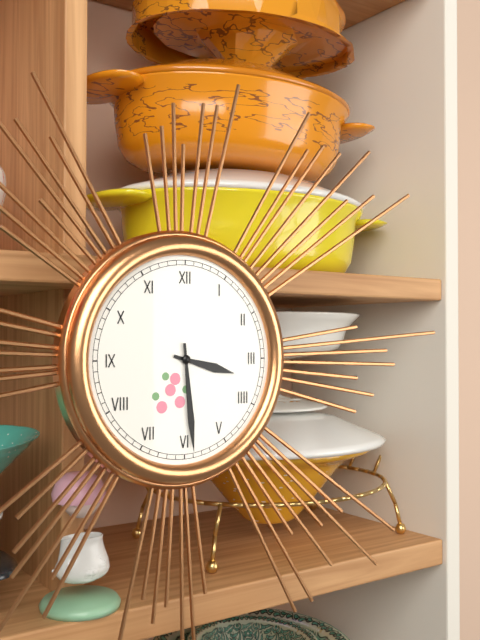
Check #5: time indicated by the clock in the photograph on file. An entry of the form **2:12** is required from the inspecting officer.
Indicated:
**3:29**
